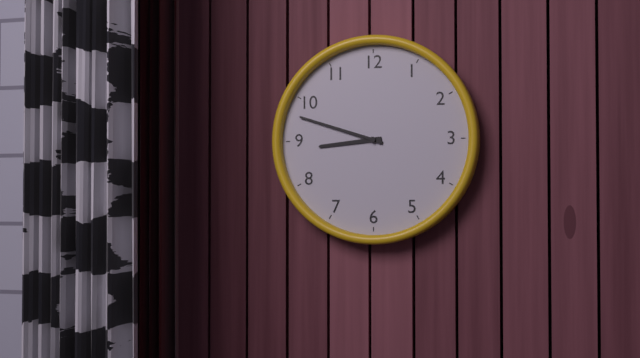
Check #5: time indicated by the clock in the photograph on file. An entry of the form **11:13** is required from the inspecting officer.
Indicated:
**8:48**
